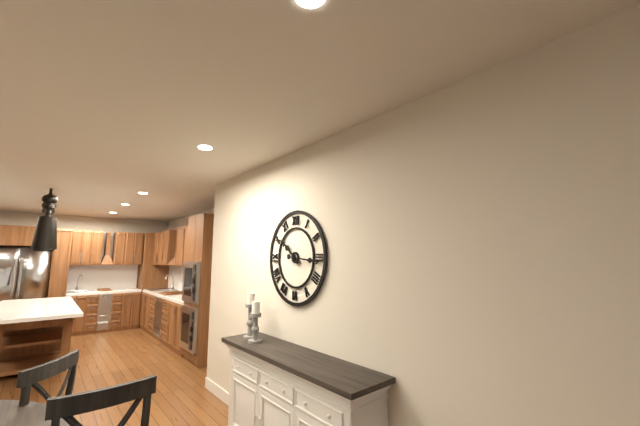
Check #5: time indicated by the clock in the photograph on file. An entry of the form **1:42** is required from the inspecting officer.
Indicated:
**10:16**
